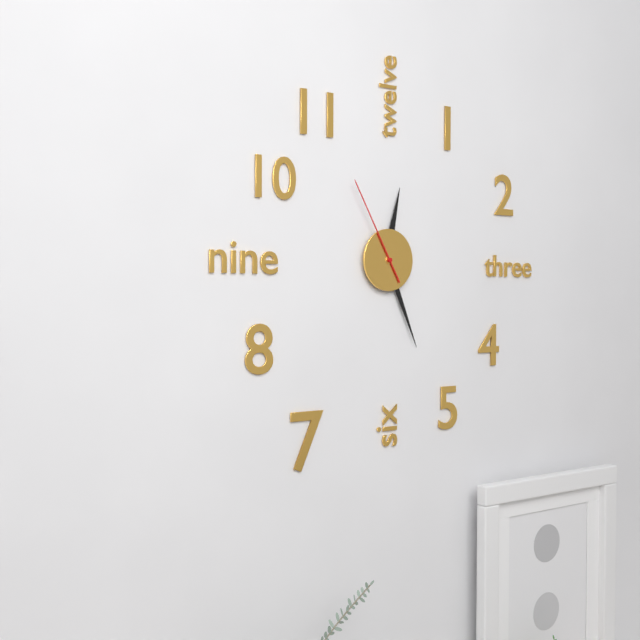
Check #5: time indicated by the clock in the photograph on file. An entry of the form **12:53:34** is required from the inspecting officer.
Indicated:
**12:26:55**
